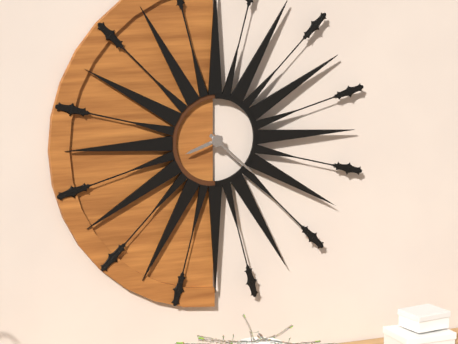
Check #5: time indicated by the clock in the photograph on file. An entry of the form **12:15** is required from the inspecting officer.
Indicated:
**8:22**
